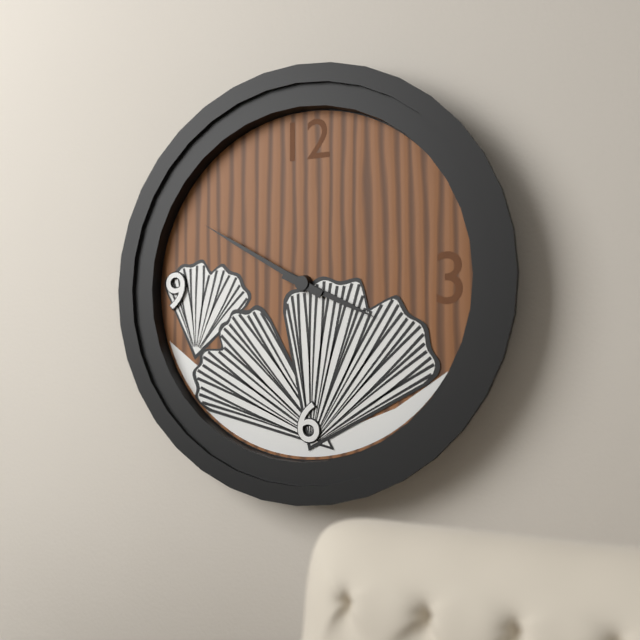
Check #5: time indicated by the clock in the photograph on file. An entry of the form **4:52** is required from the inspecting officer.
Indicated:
**3:50**
